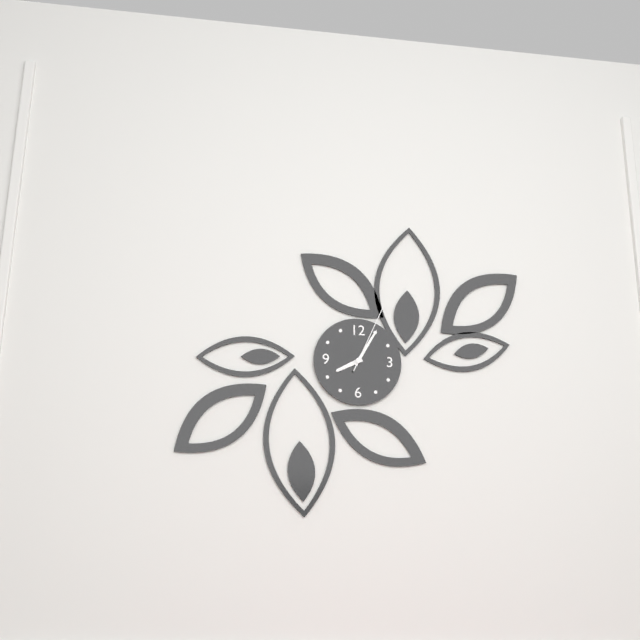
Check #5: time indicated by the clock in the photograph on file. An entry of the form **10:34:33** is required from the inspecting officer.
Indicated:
**8:05:04**
